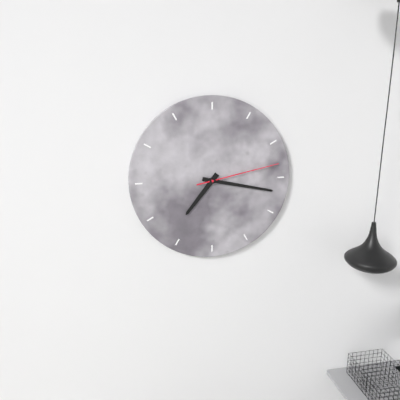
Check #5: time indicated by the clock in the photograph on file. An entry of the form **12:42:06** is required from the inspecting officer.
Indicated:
**7:17:13**
